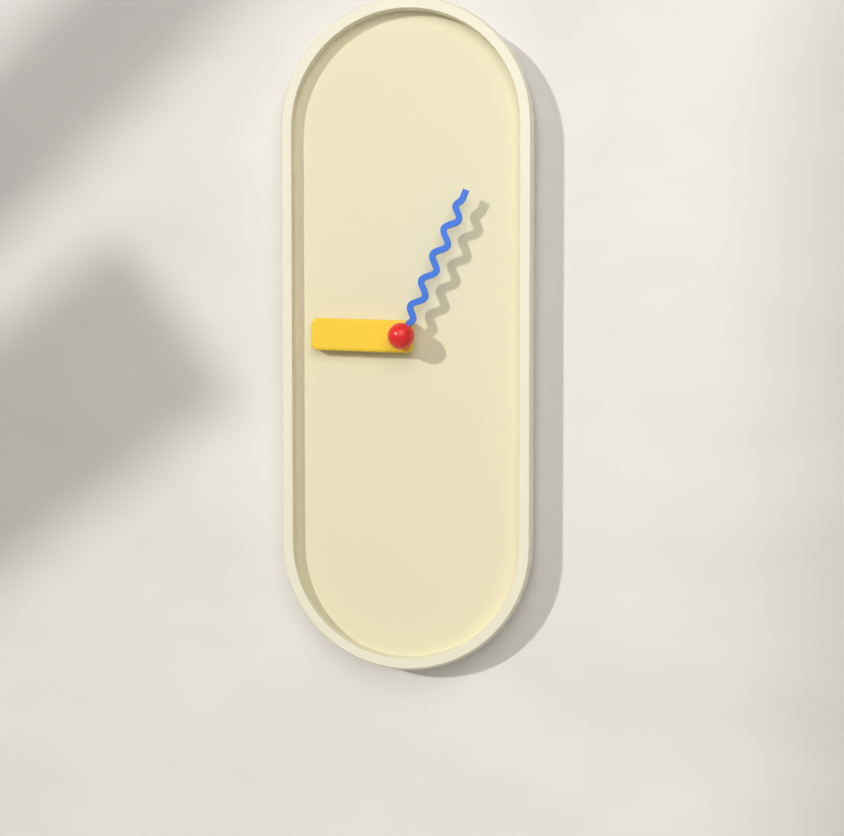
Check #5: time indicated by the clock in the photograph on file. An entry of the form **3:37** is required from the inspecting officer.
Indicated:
**9:04**
